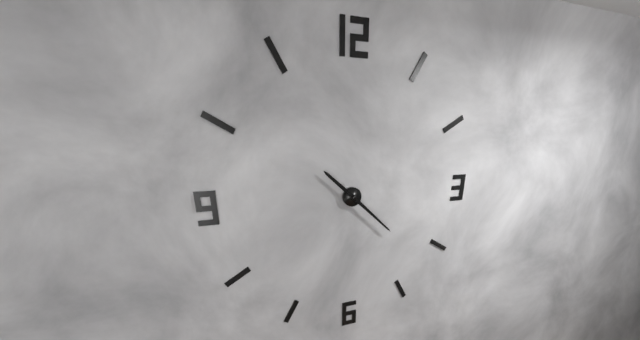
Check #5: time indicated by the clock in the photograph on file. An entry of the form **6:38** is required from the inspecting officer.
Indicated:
**10:22**
